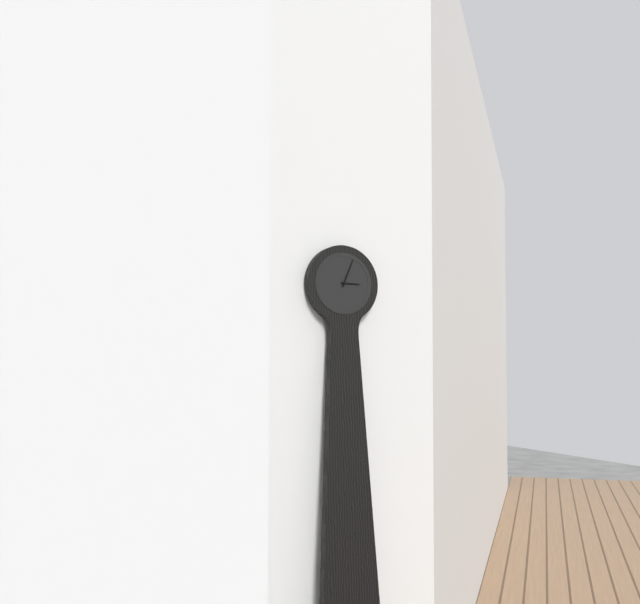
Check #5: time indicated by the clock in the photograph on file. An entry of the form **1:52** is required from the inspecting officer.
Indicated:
**3:04**
